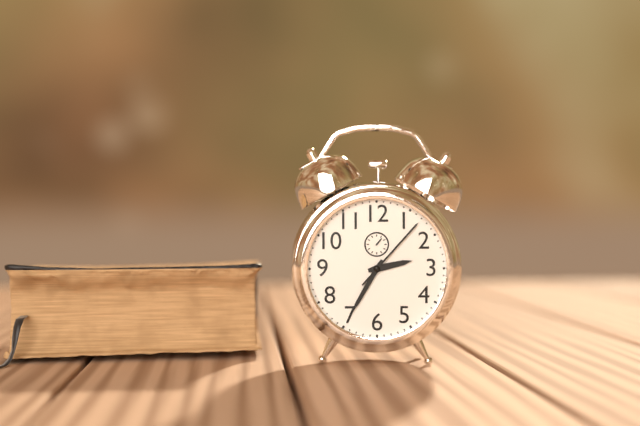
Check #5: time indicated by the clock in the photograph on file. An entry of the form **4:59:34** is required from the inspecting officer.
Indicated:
**2:35:07**
